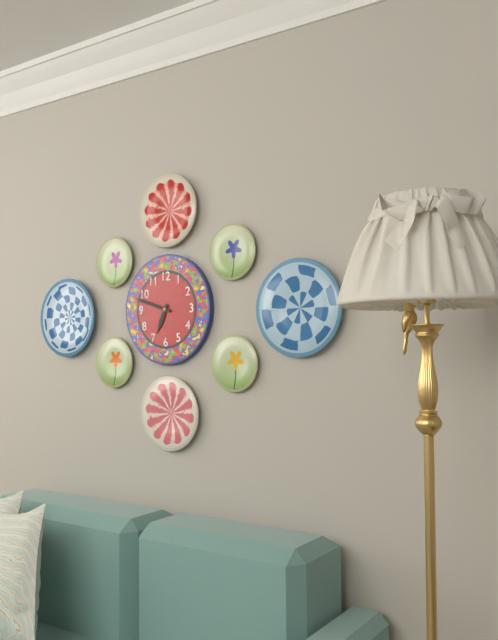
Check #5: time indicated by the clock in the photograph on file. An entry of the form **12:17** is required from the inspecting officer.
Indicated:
**6:48**
